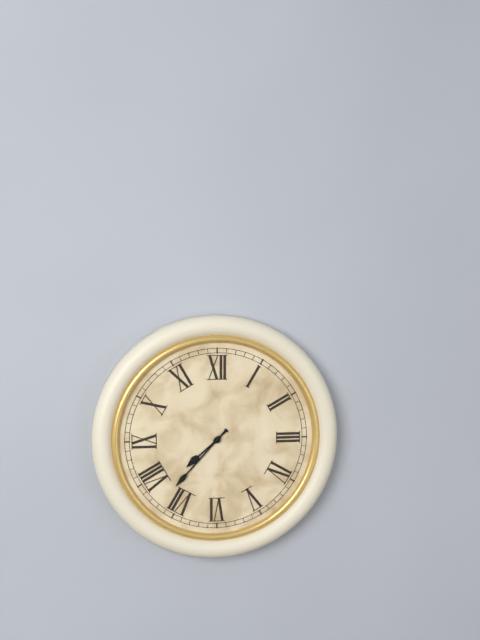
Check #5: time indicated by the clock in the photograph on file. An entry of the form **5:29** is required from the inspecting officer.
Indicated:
**7:37**
